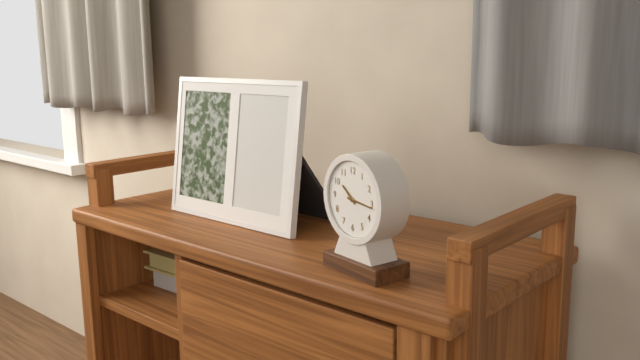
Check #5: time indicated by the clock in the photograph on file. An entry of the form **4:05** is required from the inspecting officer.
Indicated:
**10:16**
